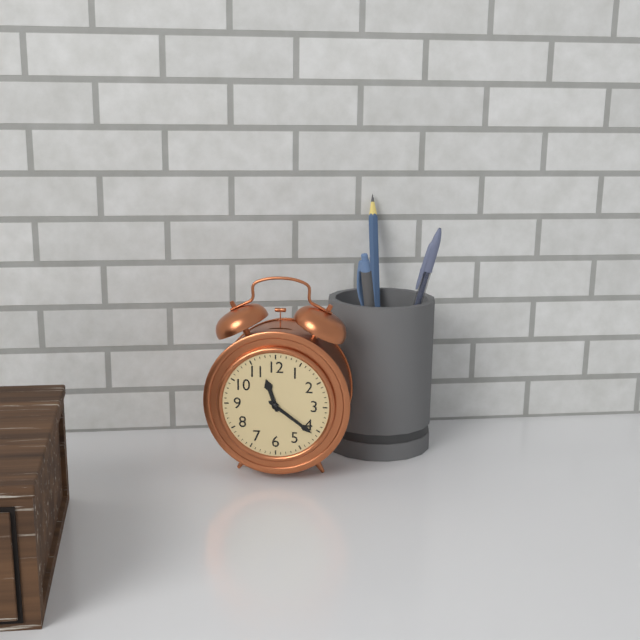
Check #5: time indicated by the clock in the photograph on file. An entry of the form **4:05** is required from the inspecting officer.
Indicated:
**11:21**
